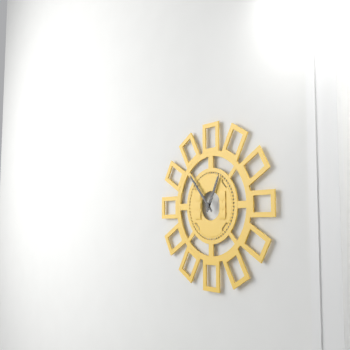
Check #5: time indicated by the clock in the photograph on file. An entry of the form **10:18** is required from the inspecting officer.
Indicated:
**12:53**
